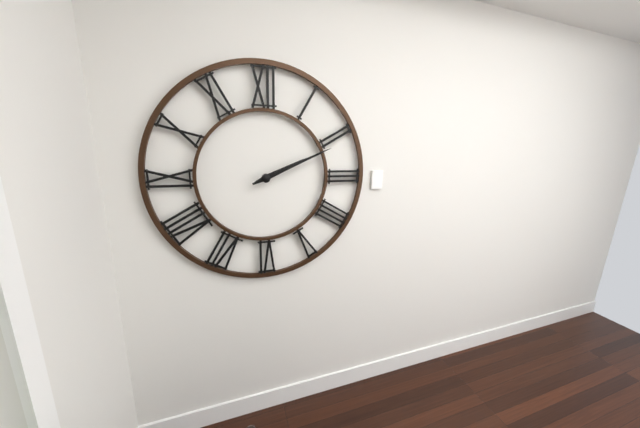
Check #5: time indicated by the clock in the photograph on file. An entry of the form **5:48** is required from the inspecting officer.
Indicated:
**2:11**
